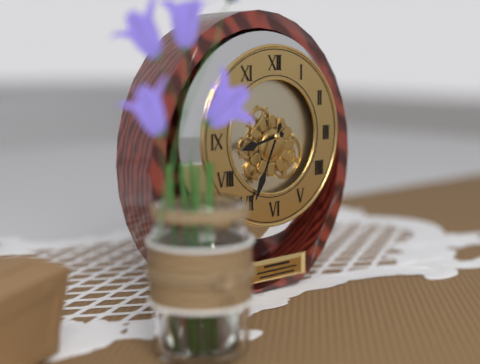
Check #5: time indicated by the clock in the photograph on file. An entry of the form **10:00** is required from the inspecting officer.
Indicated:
**8:34**
